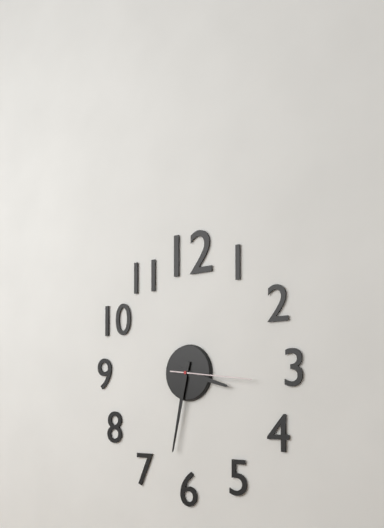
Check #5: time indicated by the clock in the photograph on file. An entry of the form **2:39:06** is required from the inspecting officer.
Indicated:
**3:32:16**
